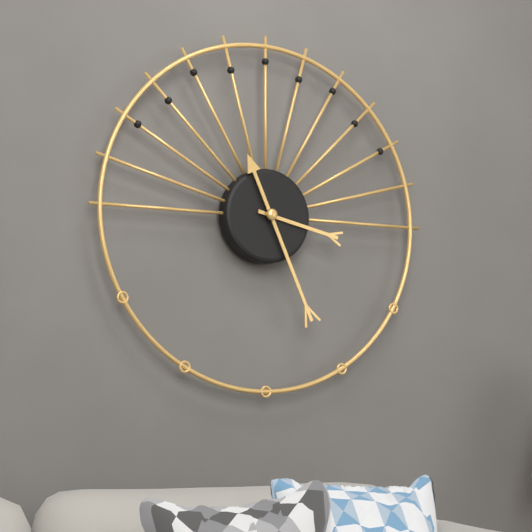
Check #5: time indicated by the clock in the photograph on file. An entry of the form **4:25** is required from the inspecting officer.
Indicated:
**3:26**
